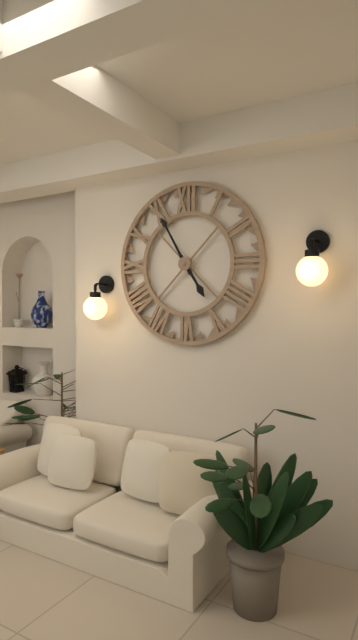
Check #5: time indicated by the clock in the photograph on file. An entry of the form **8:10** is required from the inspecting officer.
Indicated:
**4:55**
